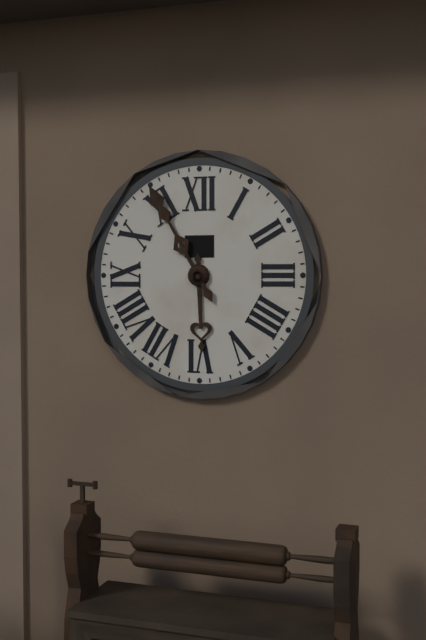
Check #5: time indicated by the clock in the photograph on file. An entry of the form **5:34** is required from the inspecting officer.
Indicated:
**5:55**
